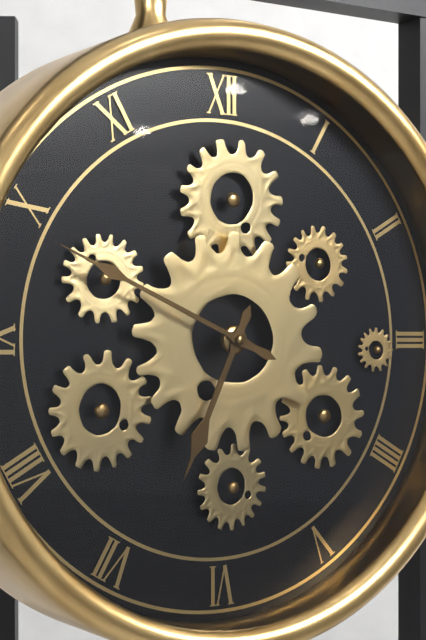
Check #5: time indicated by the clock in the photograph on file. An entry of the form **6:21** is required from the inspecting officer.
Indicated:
**6:49**
